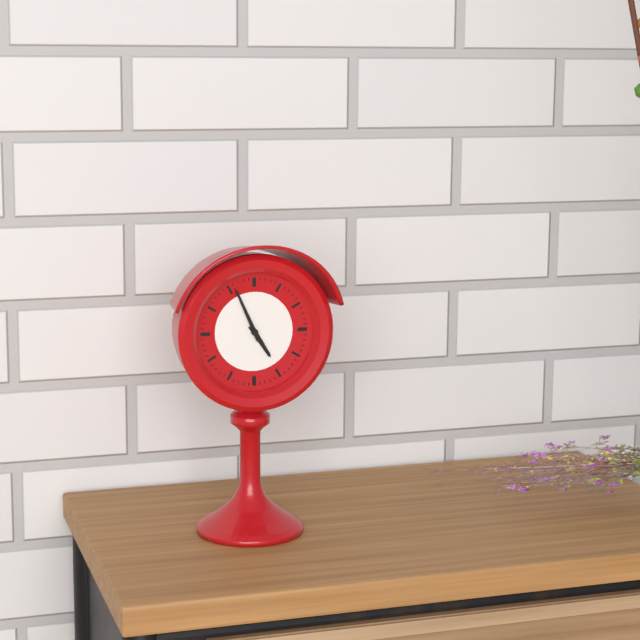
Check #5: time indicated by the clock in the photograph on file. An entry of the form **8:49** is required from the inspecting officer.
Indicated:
**4:56**
